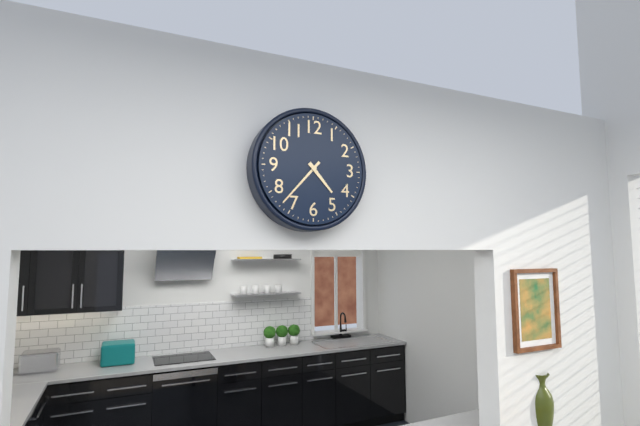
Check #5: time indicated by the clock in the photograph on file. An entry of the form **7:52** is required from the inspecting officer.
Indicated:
**4:37**
